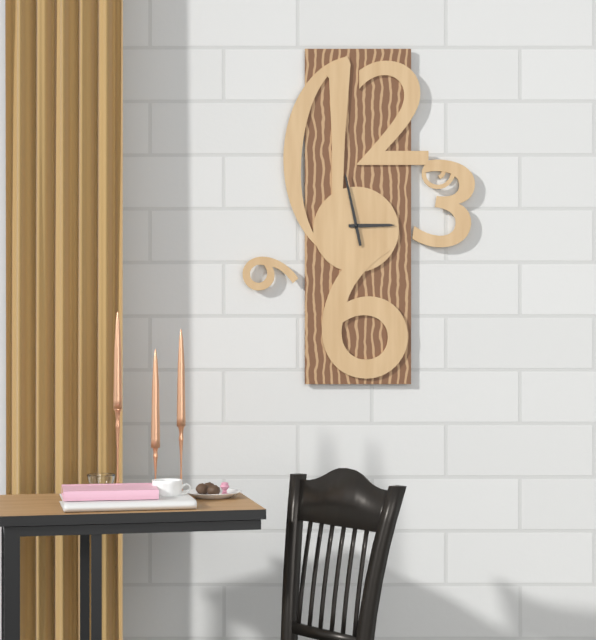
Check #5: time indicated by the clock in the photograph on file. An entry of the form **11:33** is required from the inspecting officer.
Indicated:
**2:58**
